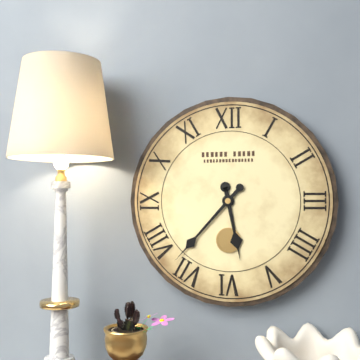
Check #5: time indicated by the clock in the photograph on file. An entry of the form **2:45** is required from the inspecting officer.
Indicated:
**5:37**
